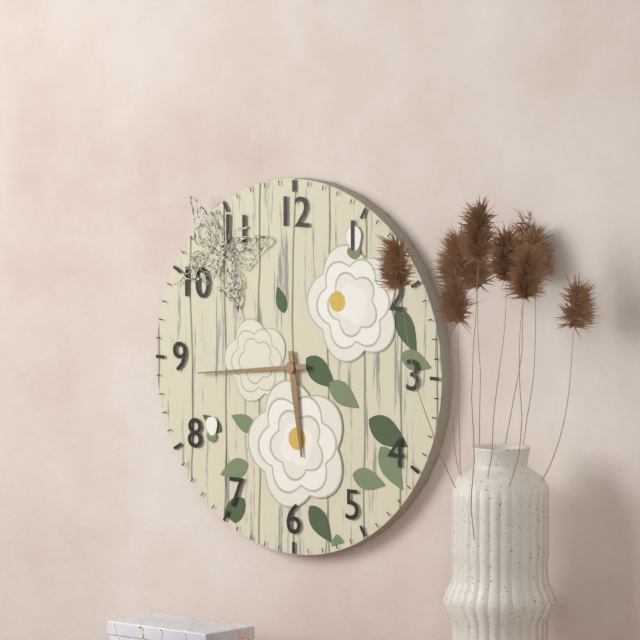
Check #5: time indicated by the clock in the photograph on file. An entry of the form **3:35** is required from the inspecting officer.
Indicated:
**5:44**
